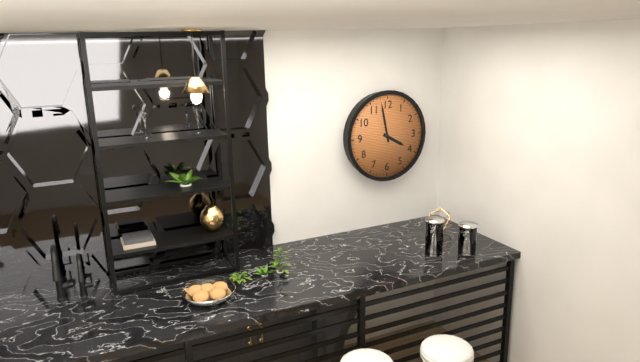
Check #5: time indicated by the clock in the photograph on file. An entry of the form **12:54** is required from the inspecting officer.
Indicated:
**3:58**
